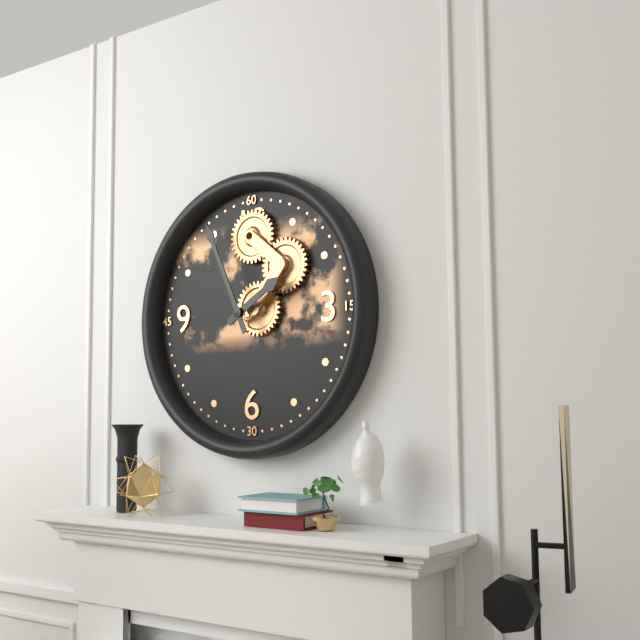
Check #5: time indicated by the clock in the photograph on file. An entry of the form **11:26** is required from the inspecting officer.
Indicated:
**1:56**
